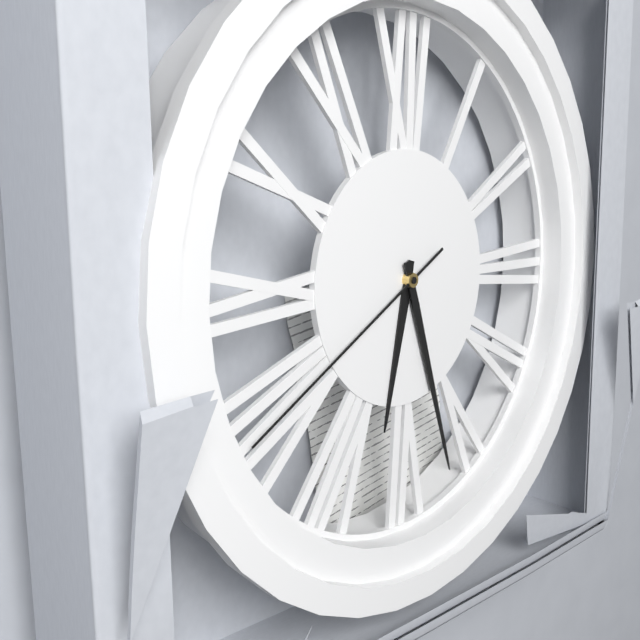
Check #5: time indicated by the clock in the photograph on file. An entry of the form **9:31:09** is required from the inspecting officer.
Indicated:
**6:27:40**
